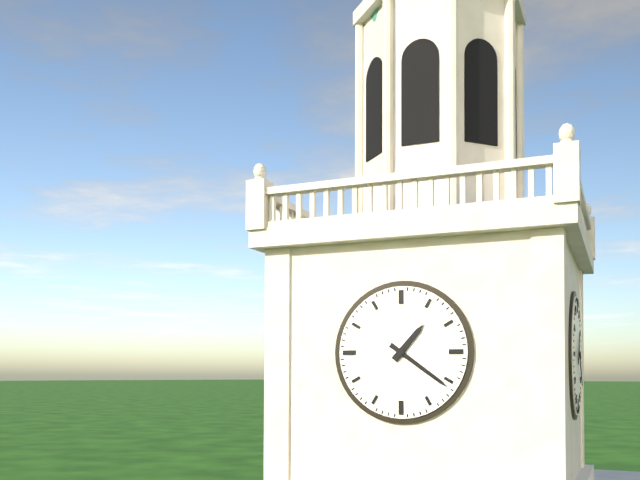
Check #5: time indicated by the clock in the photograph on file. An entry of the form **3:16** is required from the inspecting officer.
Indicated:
**1:21**
